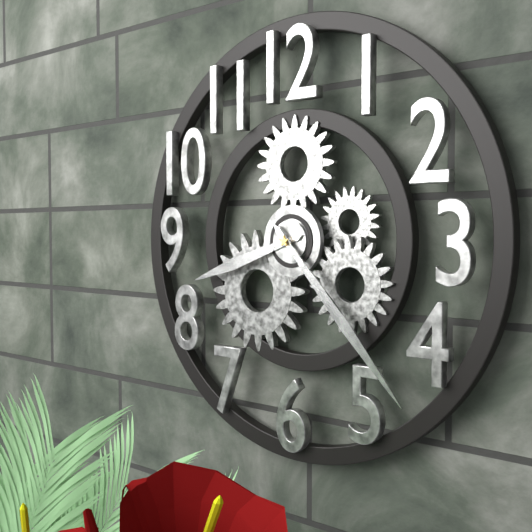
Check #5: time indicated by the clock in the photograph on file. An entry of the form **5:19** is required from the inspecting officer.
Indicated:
**8:23**
